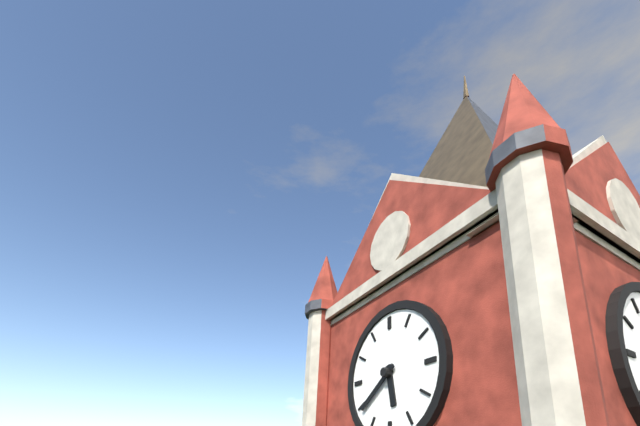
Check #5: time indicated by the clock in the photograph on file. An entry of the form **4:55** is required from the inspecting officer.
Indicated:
**5:39**
